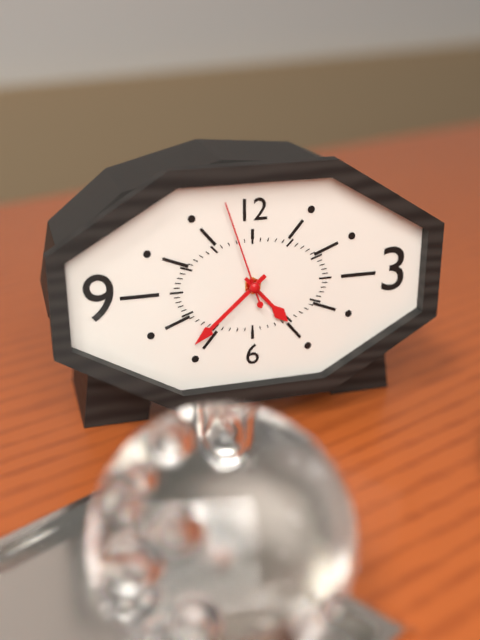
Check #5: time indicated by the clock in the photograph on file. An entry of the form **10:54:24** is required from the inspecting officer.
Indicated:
**4:38:57**
